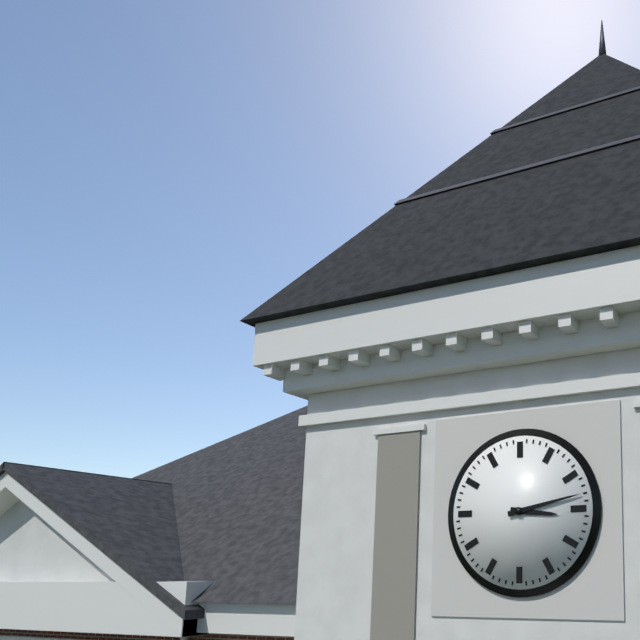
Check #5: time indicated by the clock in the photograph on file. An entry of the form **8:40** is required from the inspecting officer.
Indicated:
**3:13**
